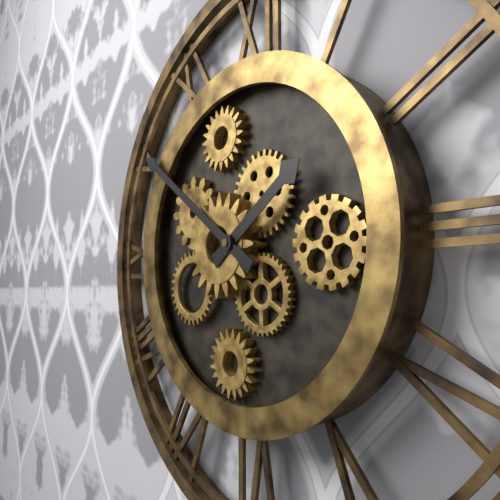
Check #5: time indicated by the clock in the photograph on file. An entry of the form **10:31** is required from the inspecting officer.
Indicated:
**1:51**
